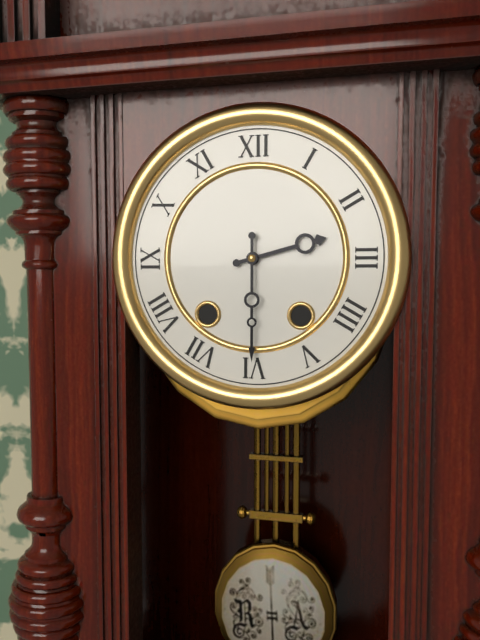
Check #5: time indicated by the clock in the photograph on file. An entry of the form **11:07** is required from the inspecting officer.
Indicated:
**2:30**
